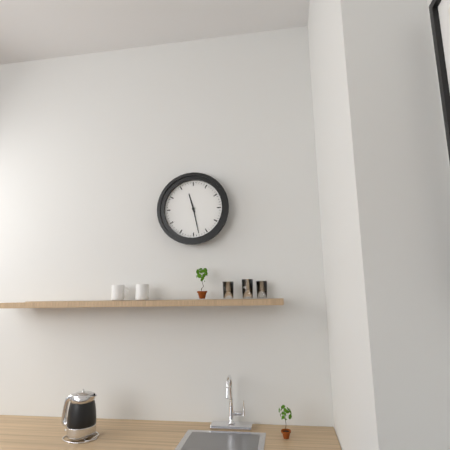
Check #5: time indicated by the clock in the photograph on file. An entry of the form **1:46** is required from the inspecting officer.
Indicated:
**11:28**
